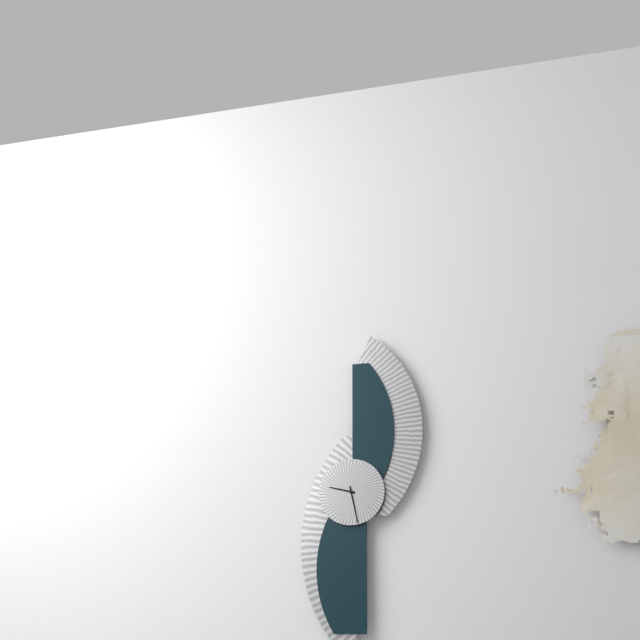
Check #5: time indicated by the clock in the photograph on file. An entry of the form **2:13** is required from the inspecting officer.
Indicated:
**9:28**
